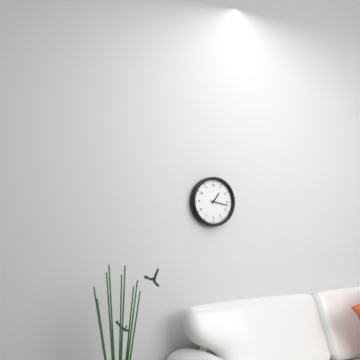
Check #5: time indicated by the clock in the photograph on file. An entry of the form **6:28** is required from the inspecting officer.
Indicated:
**1:17**
